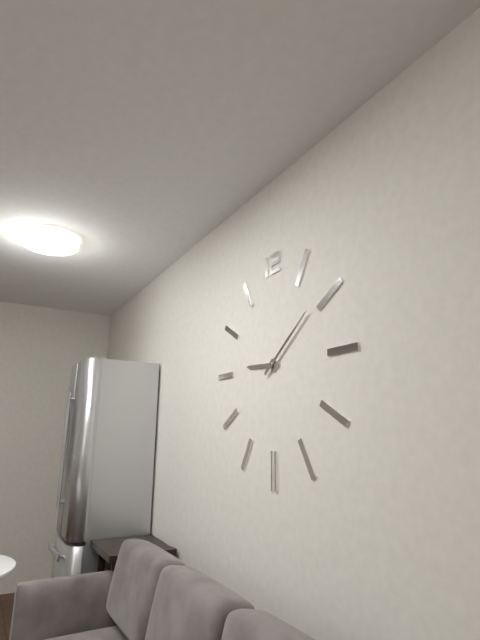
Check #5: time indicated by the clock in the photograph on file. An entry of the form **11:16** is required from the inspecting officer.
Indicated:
**9:09**
